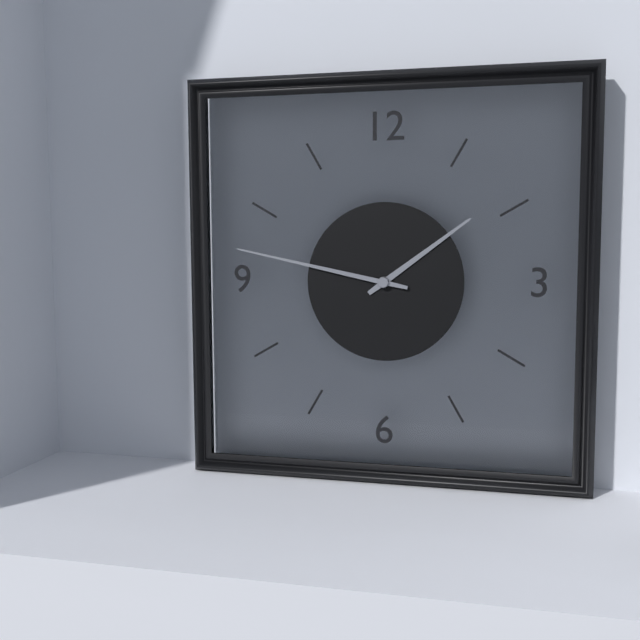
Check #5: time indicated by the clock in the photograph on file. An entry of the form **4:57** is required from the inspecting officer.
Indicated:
**1:47**
